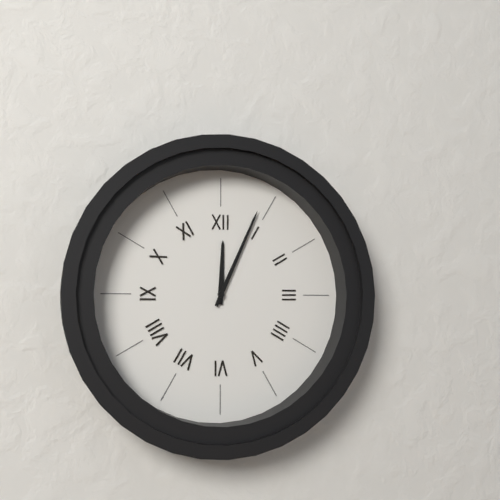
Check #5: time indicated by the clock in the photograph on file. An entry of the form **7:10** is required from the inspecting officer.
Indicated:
**12:04**
